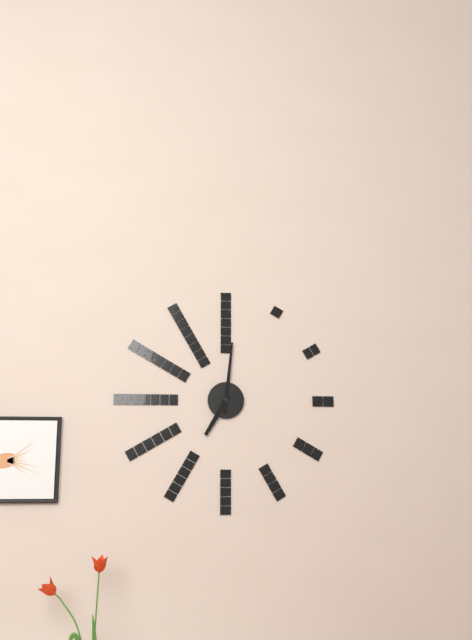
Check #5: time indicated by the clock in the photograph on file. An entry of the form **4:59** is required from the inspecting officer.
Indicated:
**7:01**
